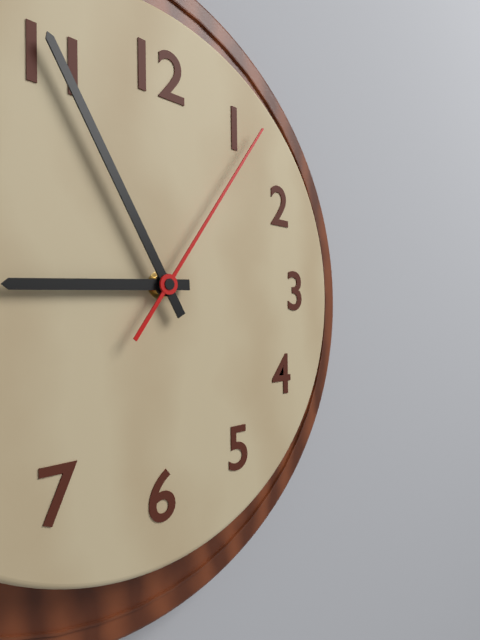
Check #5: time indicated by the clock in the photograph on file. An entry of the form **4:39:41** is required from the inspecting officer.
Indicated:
**8:55:06**
